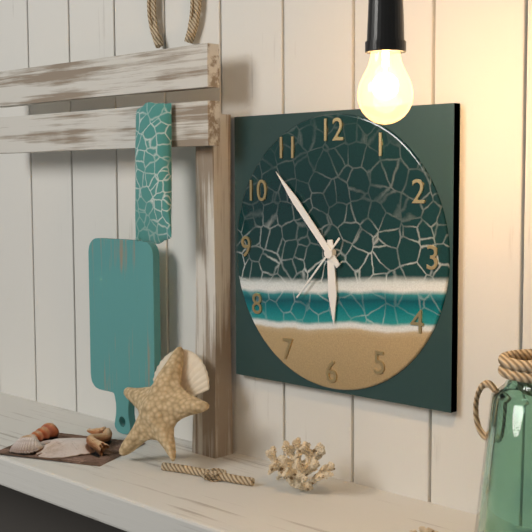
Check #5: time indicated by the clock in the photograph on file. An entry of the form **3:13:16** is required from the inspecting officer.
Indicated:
**5:53:37**
